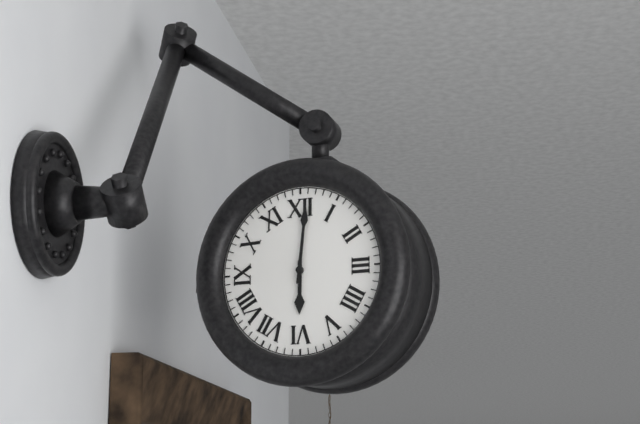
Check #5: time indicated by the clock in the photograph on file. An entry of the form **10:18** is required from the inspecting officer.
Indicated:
**6:01**
